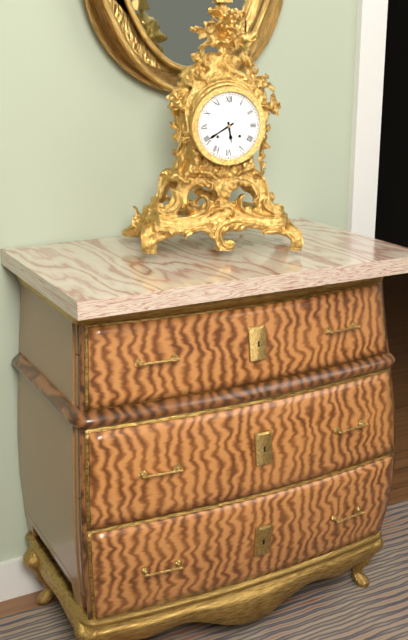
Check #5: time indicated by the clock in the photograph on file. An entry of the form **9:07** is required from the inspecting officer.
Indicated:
**5:40**
